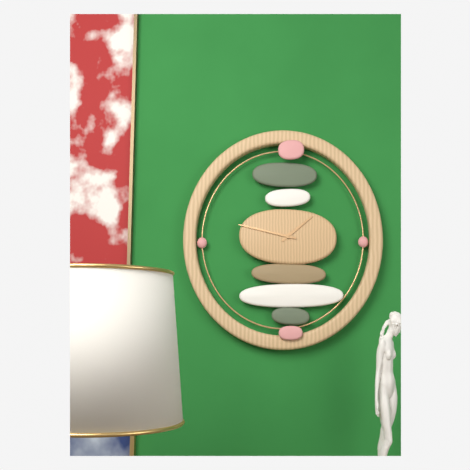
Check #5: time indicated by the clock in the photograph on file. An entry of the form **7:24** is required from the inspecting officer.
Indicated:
**1:47**
